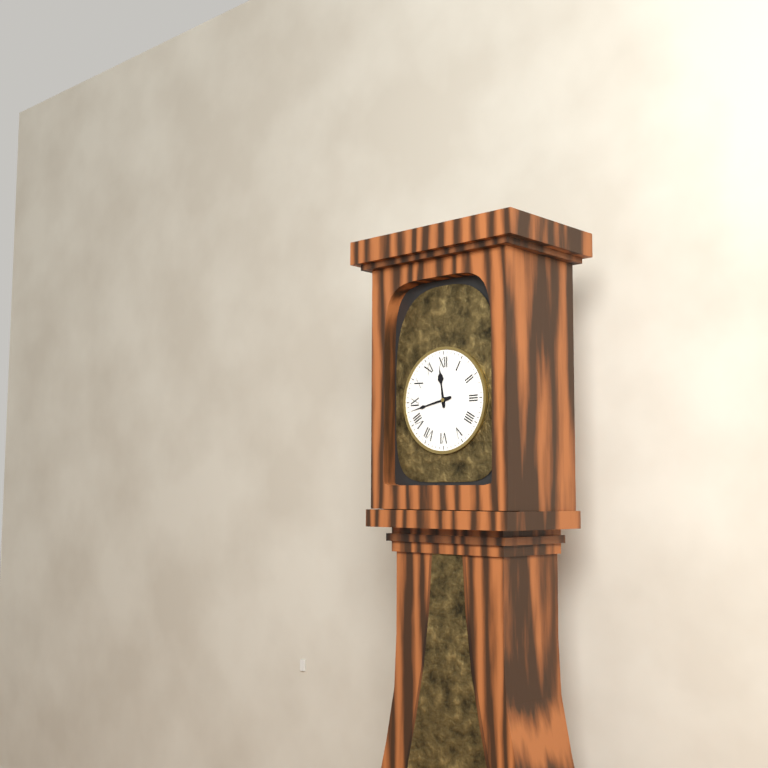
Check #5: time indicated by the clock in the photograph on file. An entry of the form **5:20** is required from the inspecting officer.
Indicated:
**11:43**
